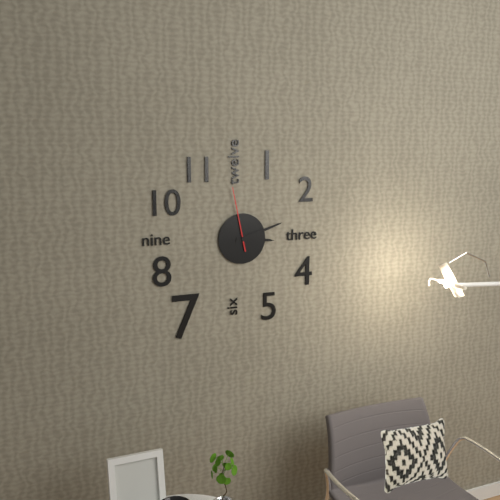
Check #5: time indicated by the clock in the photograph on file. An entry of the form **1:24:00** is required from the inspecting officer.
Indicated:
**3:12:58**
